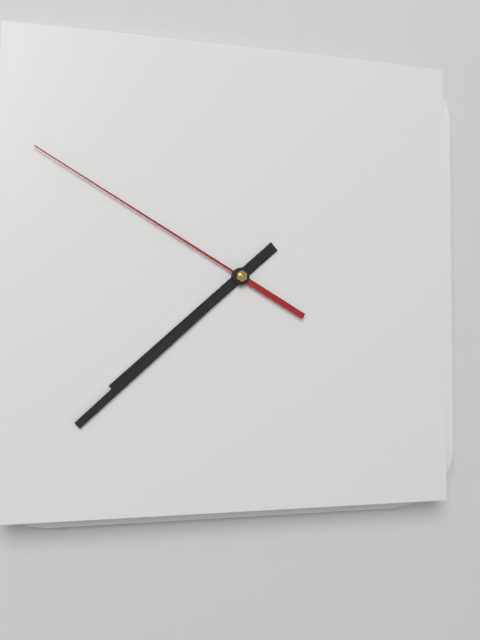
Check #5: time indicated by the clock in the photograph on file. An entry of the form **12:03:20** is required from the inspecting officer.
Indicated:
**7:38:50**
